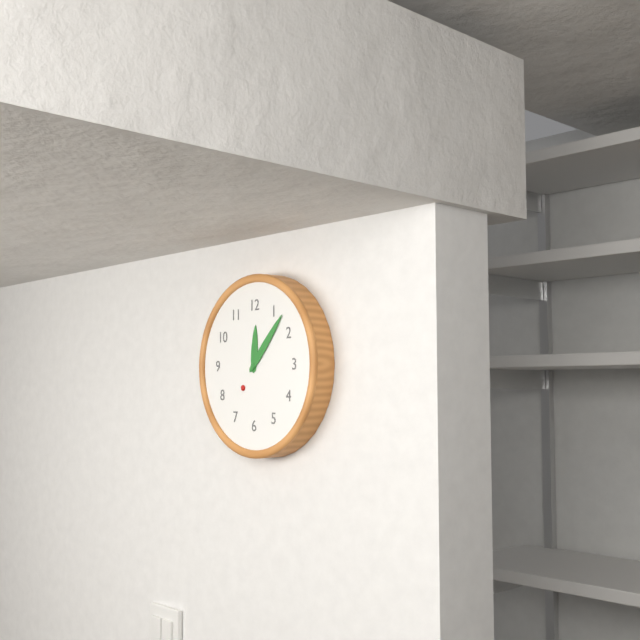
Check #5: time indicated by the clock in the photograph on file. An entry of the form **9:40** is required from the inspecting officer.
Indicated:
**12:07**
